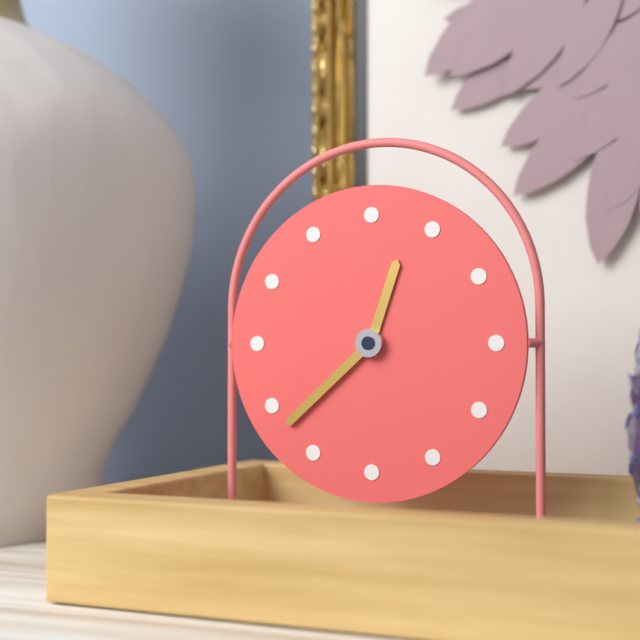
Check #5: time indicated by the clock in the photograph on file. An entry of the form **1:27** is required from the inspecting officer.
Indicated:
**12:38**
